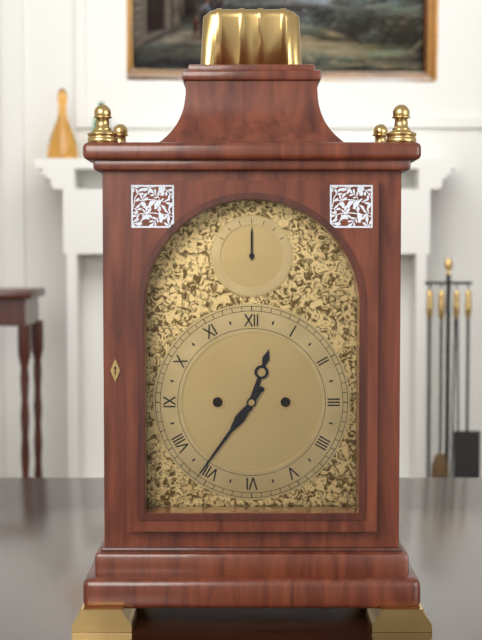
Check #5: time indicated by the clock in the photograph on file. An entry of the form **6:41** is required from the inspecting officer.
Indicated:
**12:36**
